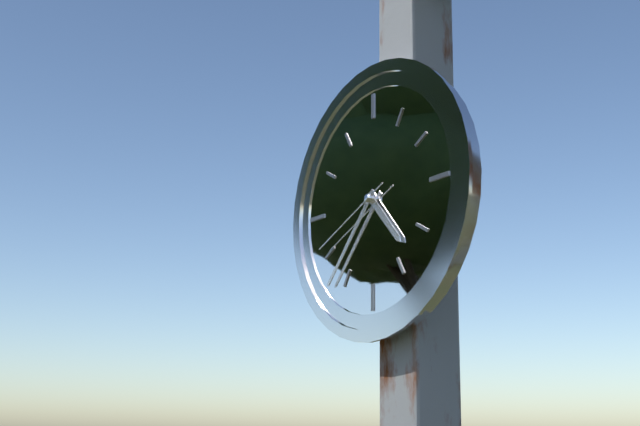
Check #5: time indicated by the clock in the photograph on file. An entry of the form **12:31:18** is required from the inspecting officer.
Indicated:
**4:37:41**
